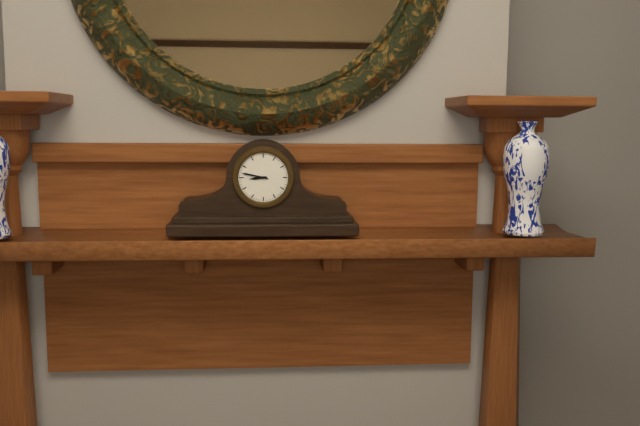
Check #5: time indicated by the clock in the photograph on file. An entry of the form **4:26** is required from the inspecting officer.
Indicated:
**8:47**
